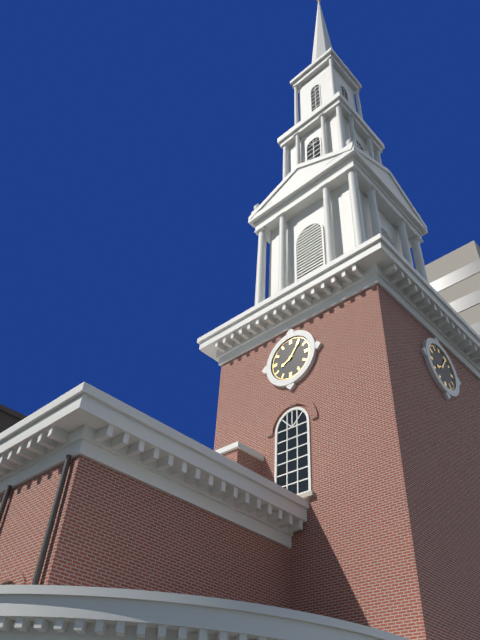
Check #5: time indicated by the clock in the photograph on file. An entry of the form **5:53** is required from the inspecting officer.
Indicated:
**8:06**
